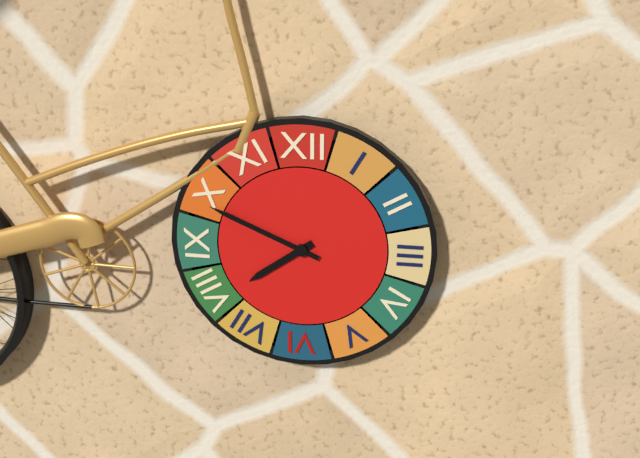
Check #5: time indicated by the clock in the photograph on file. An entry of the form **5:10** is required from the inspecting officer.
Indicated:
**7:49**
